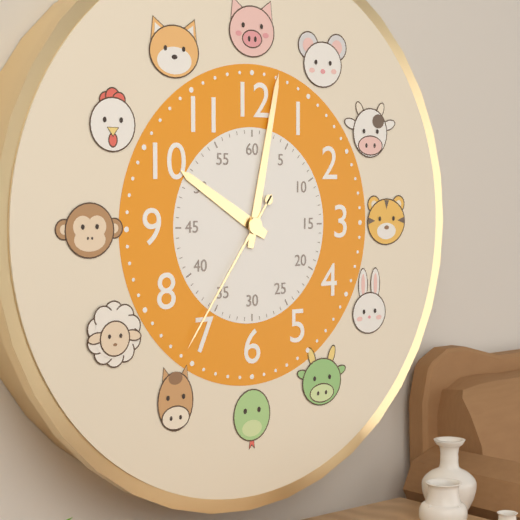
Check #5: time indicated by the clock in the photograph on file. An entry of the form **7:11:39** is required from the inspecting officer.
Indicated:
**10:02:36**
